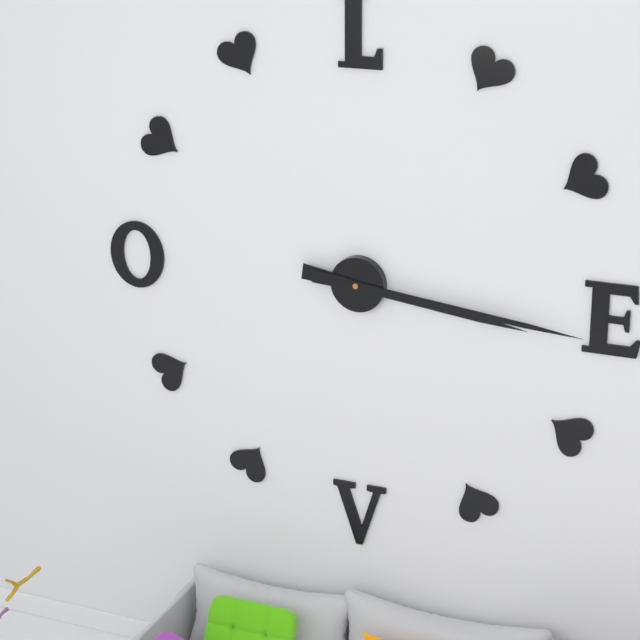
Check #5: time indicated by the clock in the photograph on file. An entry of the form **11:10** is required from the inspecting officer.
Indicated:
**3:16**
